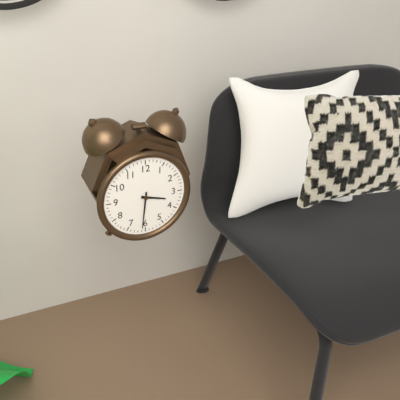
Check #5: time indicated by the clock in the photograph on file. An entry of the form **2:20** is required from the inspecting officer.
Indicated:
**3:31**
